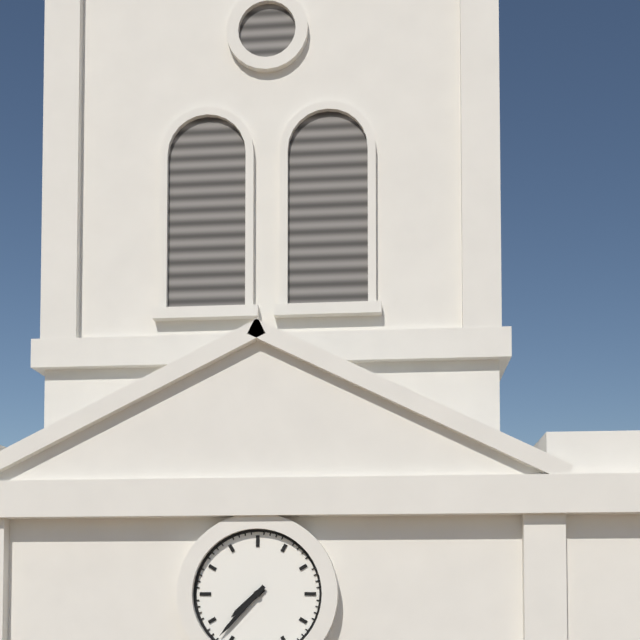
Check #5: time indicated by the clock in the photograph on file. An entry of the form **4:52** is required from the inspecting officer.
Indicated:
**7:37**
